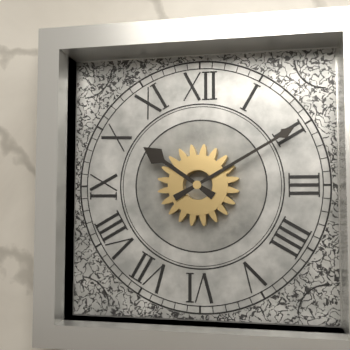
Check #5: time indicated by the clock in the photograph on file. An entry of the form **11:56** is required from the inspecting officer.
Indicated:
**10:10**
